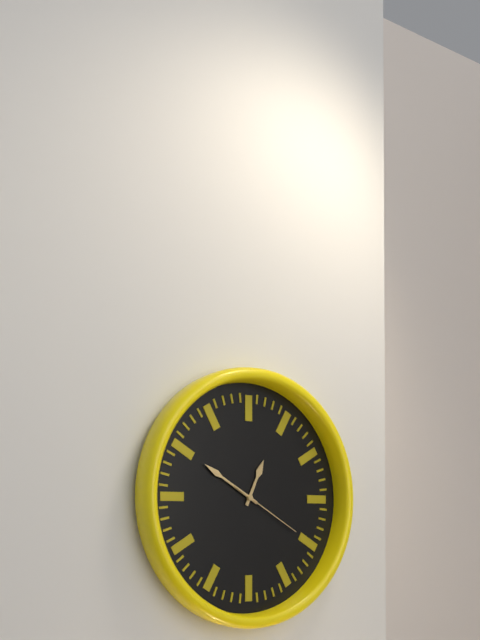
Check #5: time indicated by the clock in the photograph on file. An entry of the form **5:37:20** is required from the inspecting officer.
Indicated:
**12:50:20**
